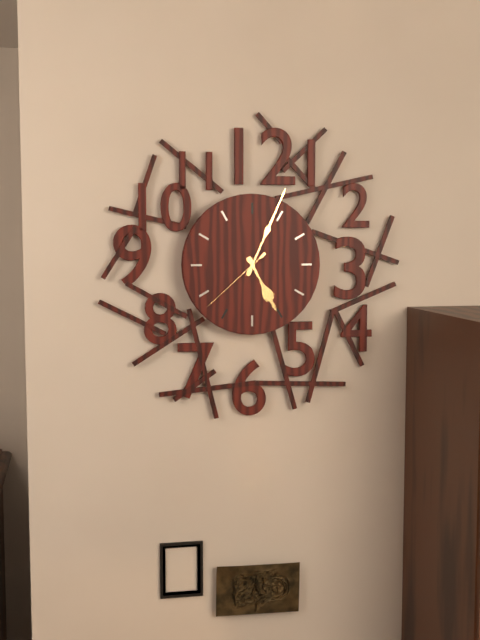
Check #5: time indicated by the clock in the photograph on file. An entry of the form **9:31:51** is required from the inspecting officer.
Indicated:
**5:04:38**
